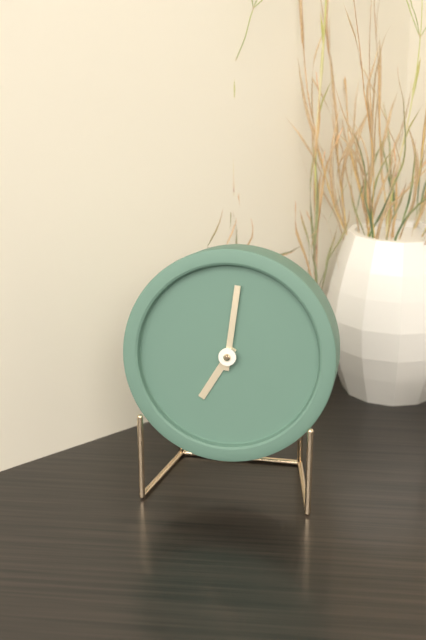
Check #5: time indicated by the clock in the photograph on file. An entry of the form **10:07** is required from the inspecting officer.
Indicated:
**7:01**
